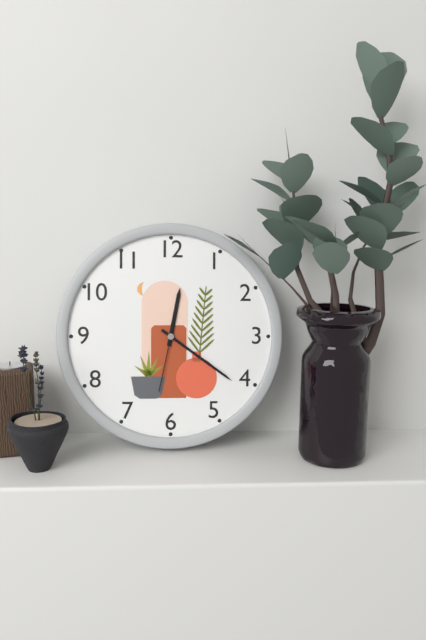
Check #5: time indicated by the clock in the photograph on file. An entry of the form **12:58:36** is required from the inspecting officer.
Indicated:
**12:21:32**
